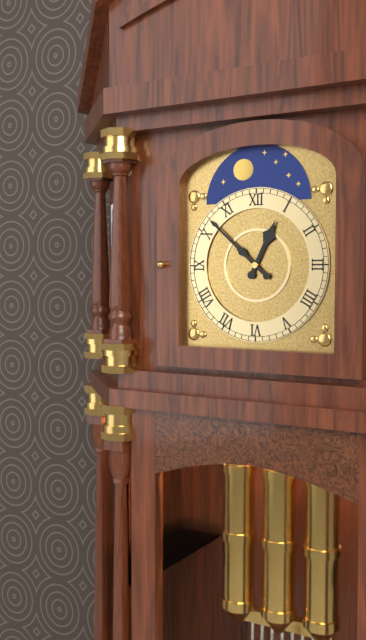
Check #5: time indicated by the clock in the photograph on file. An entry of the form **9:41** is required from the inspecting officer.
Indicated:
**12:52**
